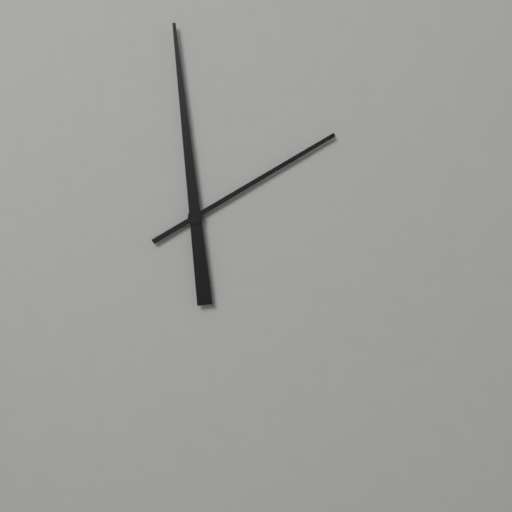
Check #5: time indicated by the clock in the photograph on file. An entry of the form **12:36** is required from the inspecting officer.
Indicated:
**1:59**
